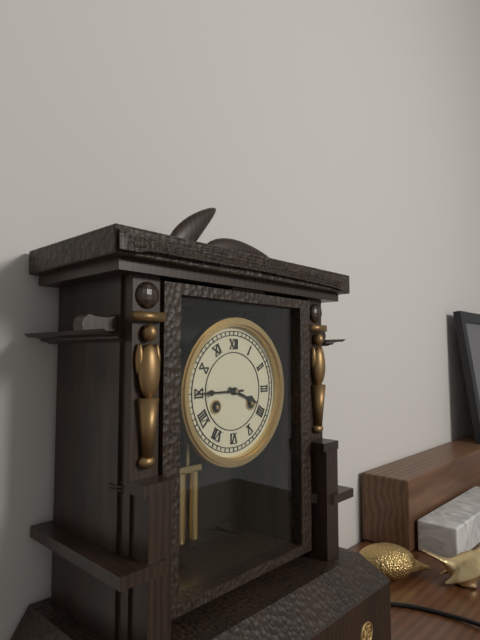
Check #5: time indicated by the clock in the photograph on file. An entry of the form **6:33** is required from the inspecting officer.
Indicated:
**3:45**
